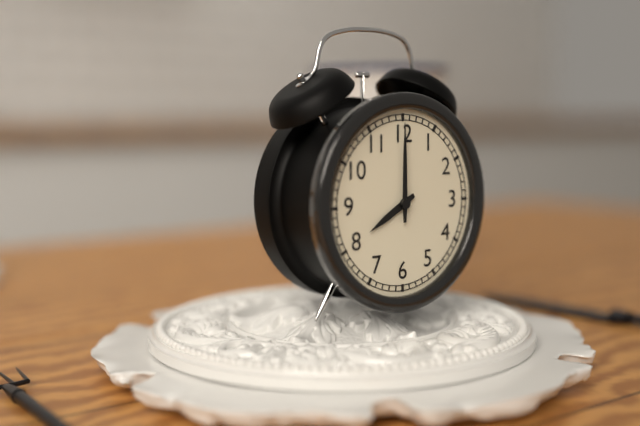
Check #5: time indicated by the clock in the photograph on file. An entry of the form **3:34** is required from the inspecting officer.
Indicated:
**8:00**
